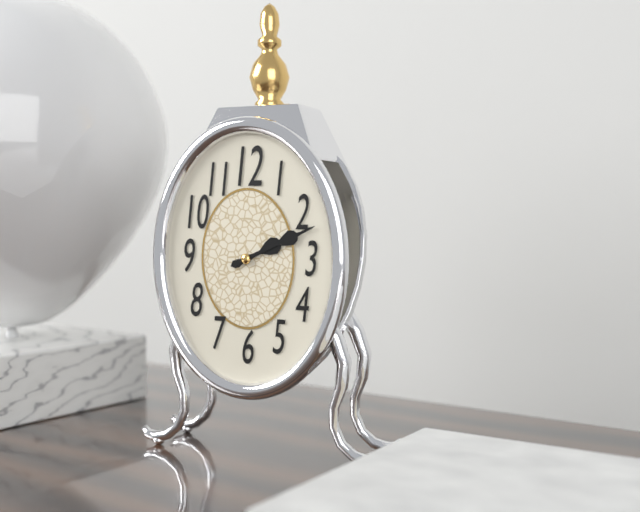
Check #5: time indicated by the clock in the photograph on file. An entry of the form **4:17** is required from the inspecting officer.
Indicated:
**2:11**
